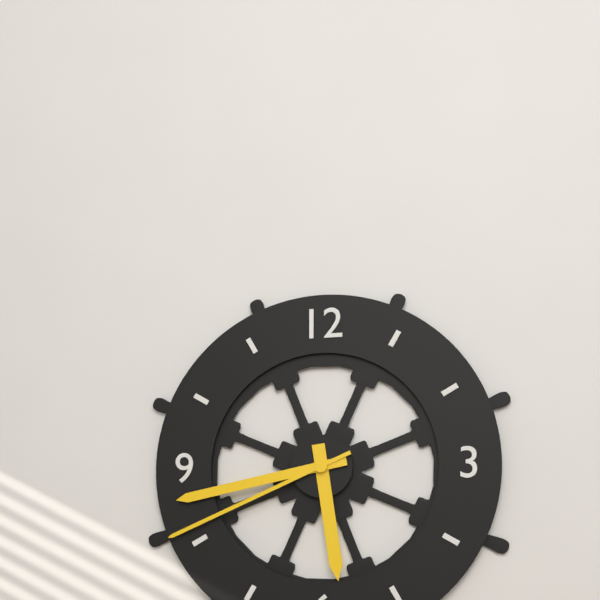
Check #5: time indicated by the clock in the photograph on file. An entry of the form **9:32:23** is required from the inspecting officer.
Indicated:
**5:43:41**
